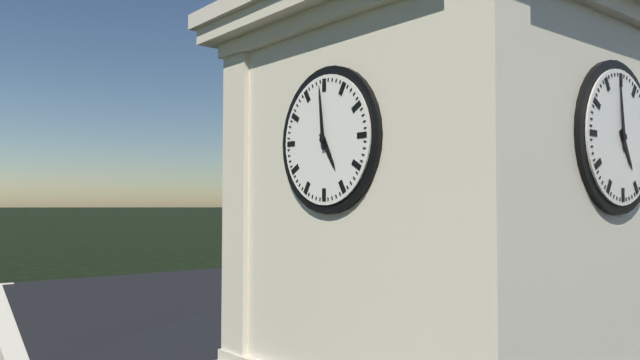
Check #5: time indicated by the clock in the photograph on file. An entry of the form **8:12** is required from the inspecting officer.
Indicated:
**4:59**
